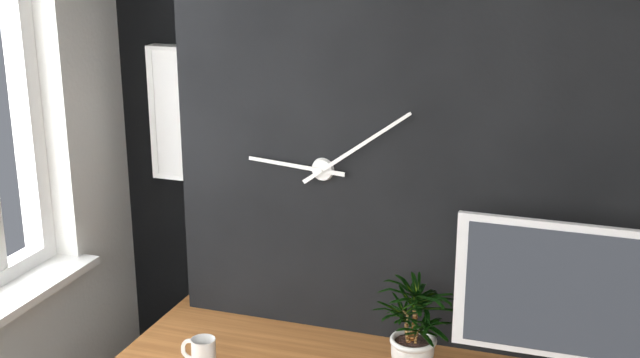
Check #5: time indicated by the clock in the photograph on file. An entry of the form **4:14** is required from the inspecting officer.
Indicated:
**9:09**
